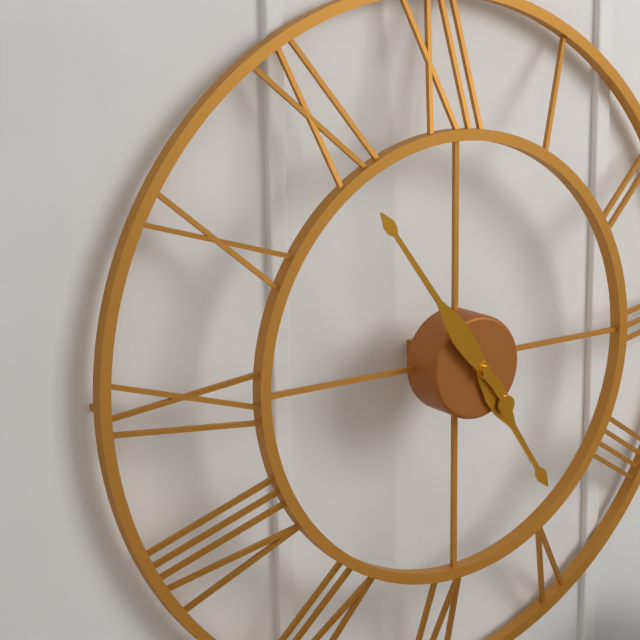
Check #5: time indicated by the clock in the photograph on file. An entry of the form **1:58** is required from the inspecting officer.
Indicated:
**4:54**
